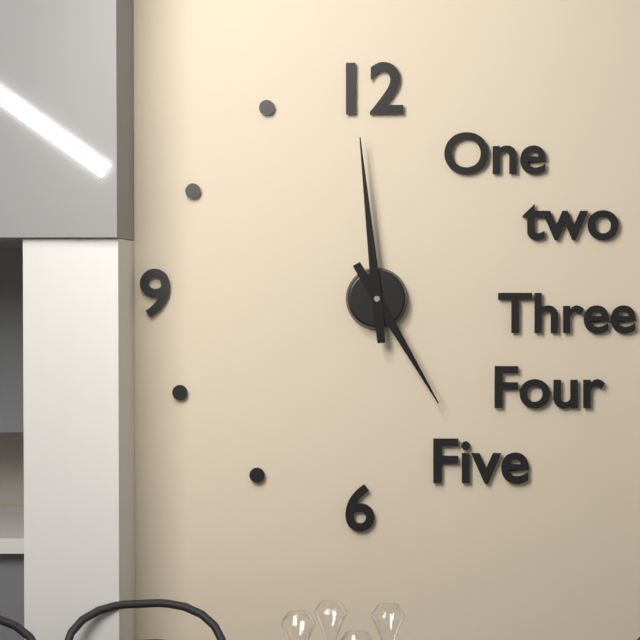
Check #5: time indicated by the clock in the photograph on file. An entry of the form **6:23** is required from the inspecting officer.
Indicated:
**4:59**
